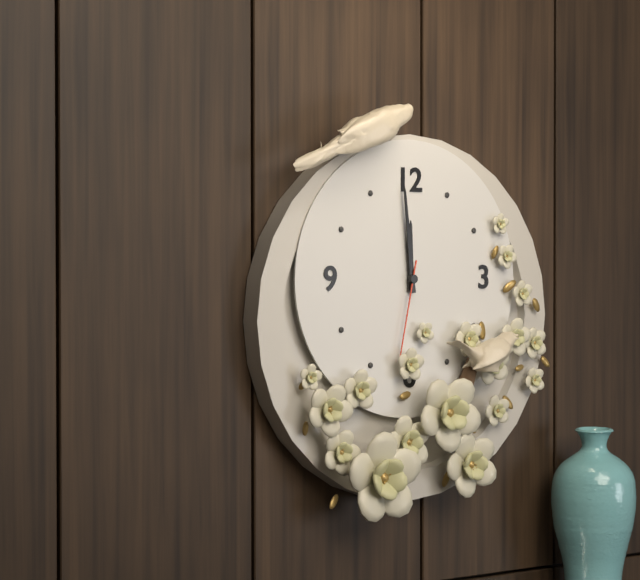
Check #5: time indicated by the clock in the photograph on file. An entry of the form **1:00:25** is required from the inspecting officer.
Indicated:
**11:59:32**
